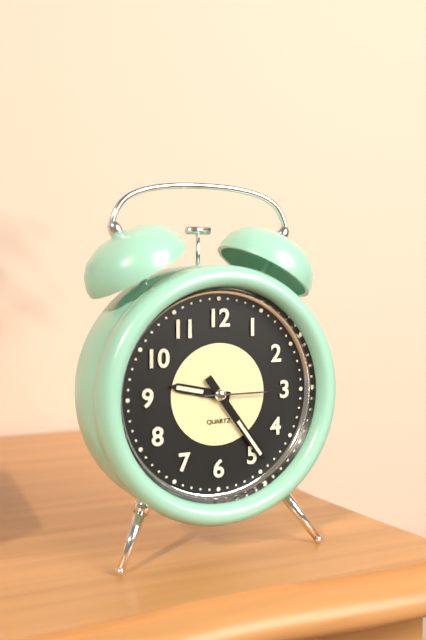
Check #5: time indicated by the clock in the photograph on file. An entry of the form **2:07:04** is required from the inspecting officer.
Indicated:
**9:24:15**
